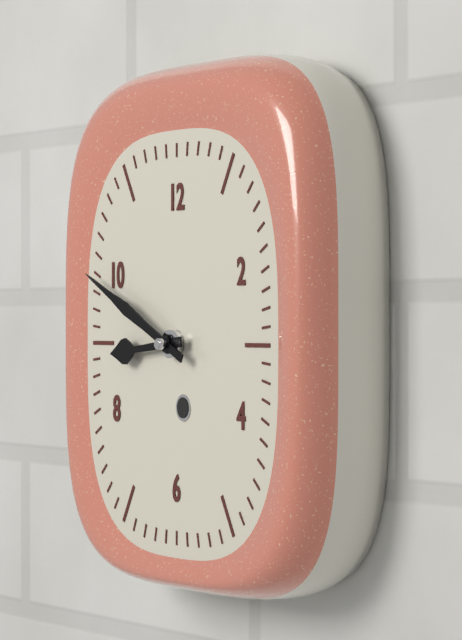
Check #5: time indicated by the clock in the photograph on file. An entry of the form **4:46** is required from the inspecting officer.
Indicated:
**8:49**
